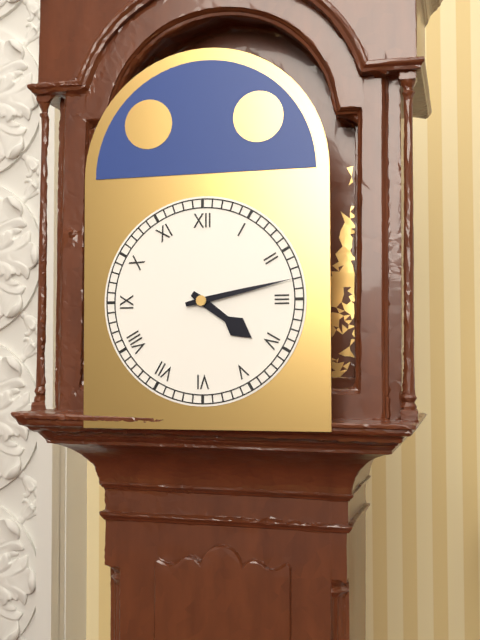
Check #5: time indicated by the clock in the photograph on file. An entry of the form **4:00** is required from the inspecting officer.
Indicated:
**4:13**
